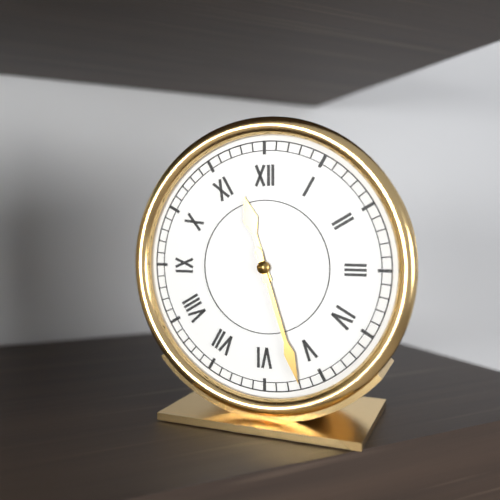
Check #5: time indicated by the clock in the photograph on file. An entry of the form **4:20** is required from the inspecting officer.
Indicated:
**11:27**
